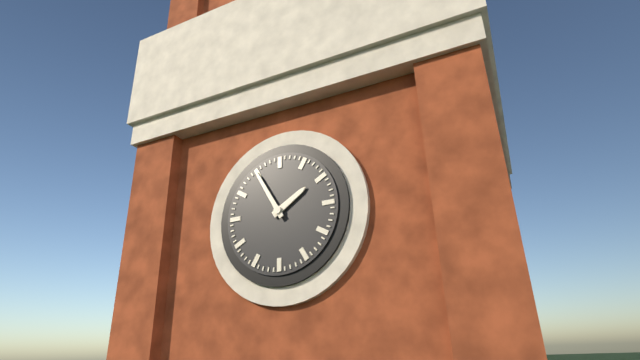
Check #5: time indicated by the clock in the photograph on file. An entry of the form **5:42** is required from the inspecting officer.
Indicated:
**1:55**
